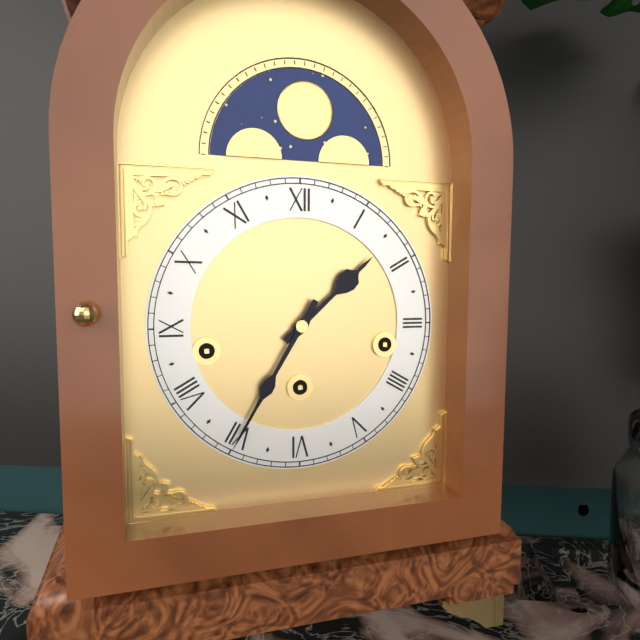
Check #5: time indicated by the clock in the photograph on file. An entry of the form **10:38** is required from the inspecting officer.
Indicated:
**1:35**
